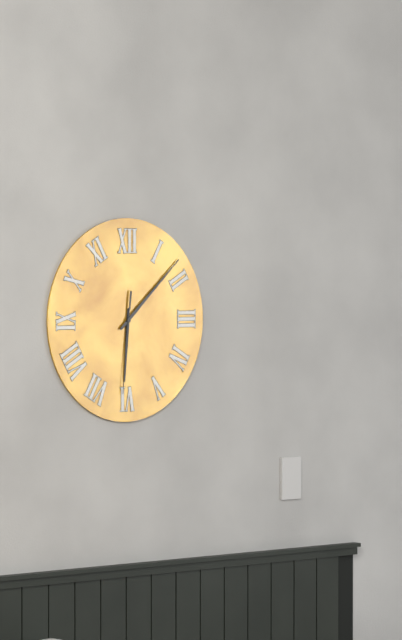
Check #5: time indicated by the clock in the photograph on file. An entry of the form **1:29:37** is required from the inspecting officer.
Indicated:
**6:08:31**
